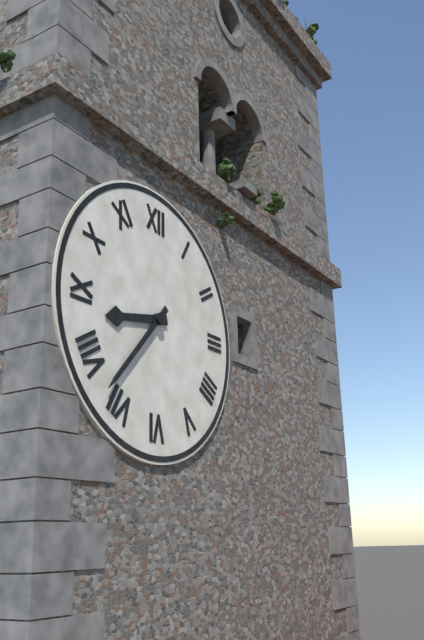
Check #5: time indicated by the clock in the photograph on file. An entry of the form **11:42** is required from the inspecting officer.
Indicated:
**8:37**
